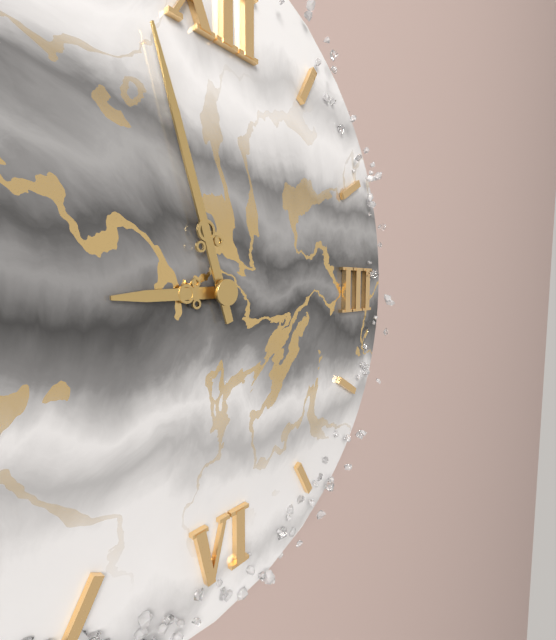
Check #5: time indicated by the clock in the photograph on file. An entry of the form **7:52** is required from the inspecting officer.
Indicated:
**8:57**
